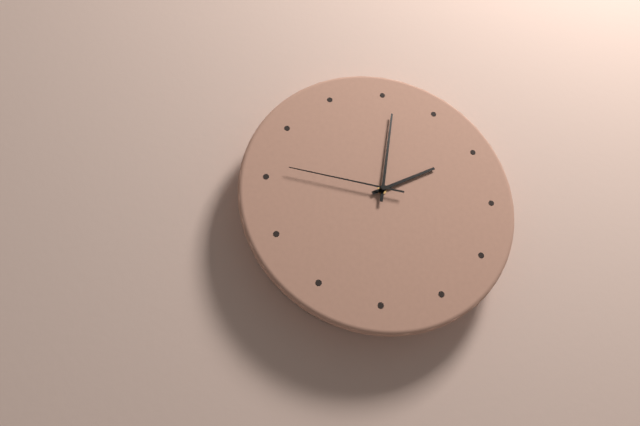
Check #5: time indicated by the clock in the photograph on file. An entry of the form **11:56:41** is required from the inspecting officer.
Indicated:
**2:01:46**
